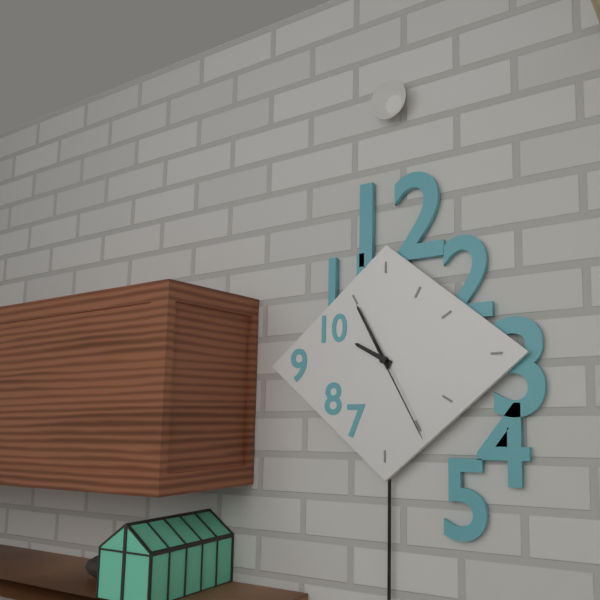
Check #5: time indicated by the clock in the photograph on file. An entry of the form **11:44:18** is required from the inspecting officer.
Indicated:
**9:55:25**
